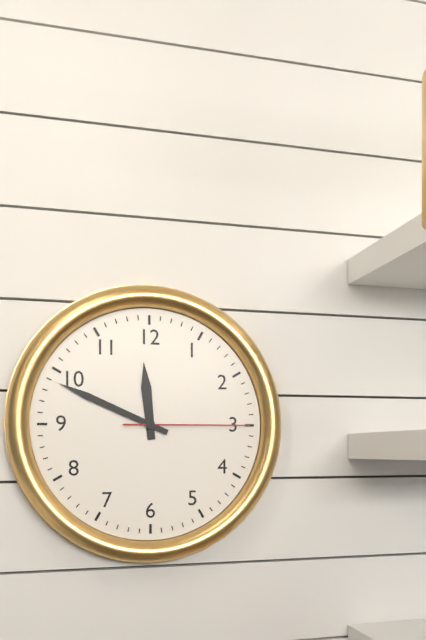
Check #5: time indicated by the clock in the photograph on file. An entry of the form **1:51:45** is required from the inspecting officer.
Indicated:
**11:49:15**
